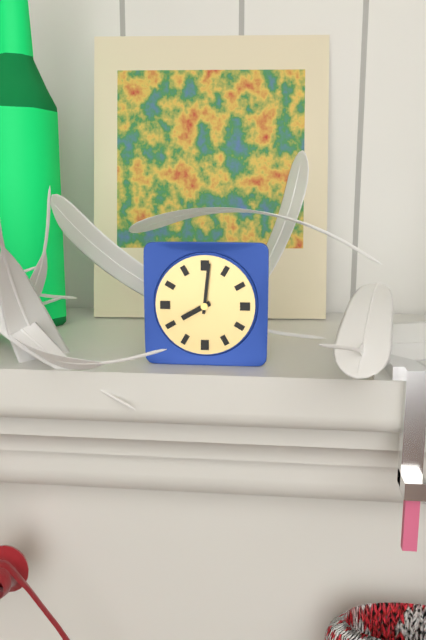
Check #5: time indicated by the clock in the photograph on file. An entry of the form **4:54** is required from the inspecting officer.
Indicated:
**8:01**
